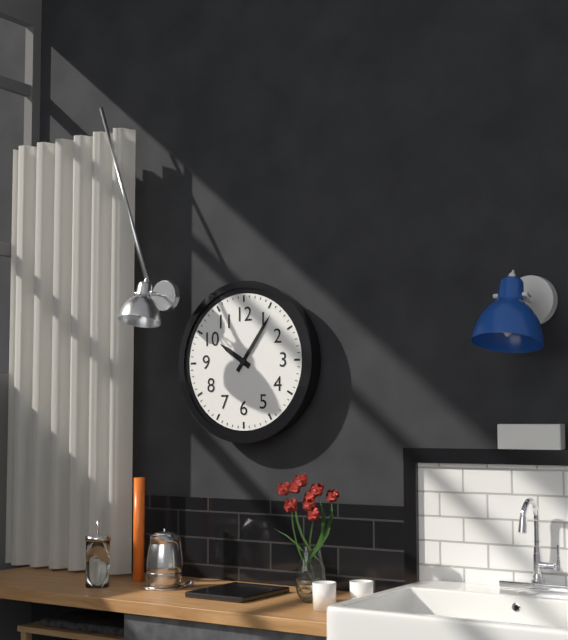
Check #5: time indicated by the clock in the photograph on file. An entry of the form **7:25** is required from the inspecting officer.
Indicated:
**10:06**
